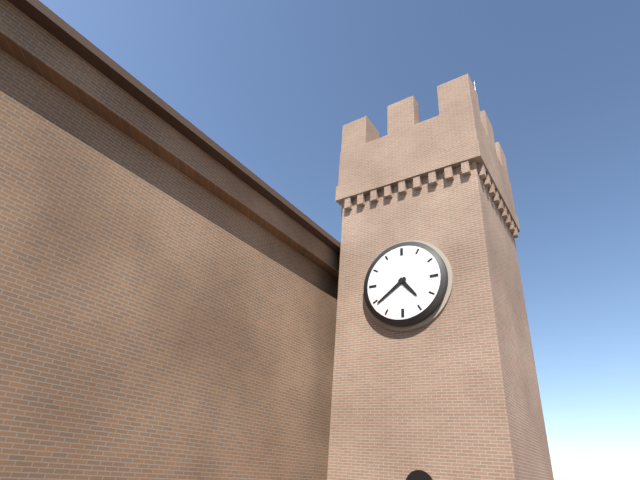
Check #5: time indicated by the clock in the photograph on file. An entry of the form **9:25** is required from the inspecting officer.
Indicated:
**4:39**
